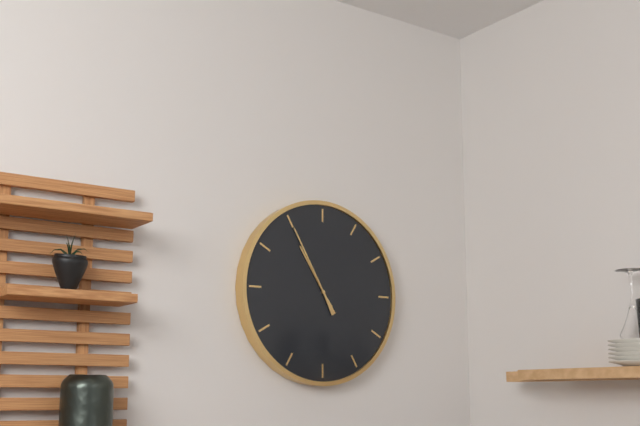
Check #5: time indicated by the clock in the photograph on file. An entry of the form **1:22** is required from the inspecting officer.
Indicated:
**10:55**
